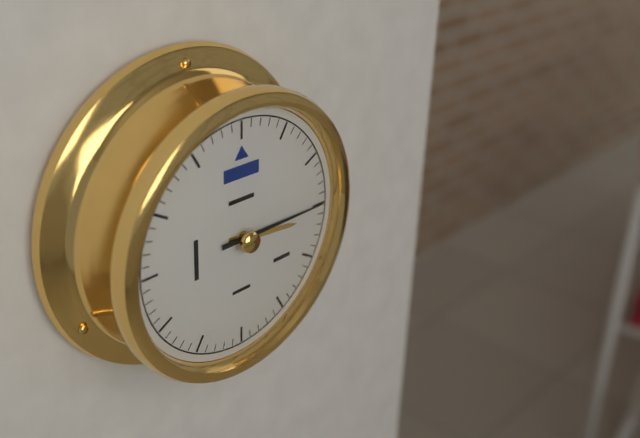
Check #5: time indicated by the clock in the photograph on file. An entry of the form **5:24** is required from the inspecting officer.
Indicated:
**3:15**
